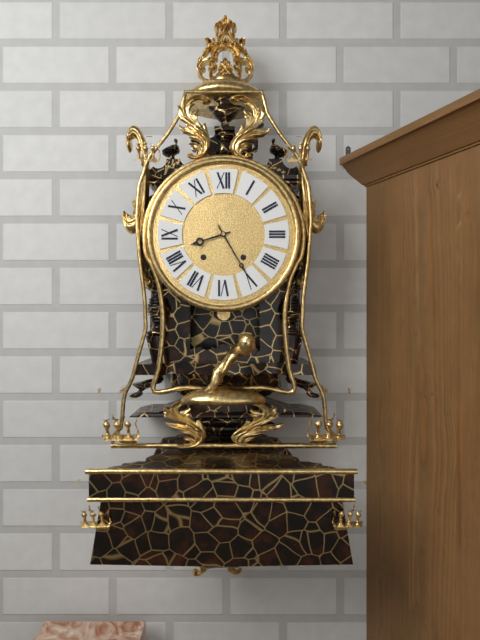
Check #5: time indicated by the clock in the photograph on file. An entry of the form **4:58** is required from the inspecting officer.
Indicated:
**8:25**
